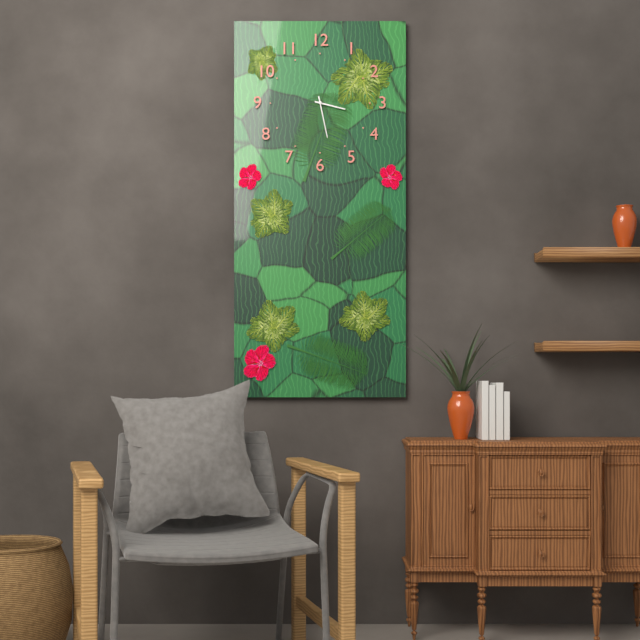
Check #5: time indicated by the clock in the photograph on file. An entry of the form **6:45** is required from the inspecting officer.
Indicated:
**3:28**
